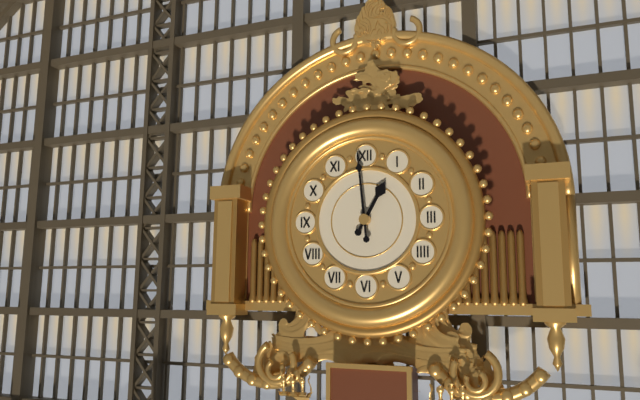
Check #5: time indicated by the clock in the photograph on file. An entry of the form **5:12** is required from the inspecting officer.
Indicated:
**12:59**
